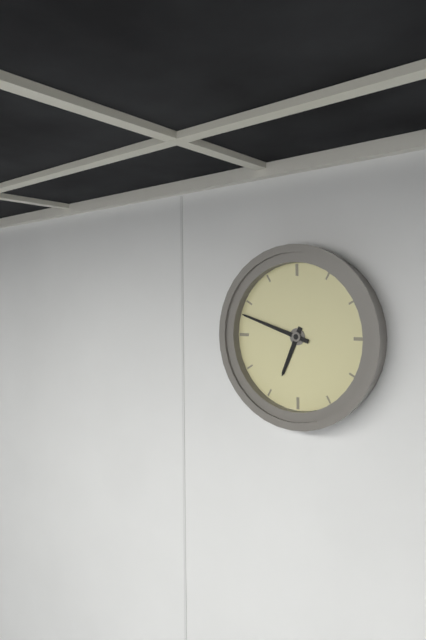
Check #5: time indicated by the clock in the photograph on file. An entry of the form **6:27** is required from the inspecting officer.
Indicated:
**6:48**
